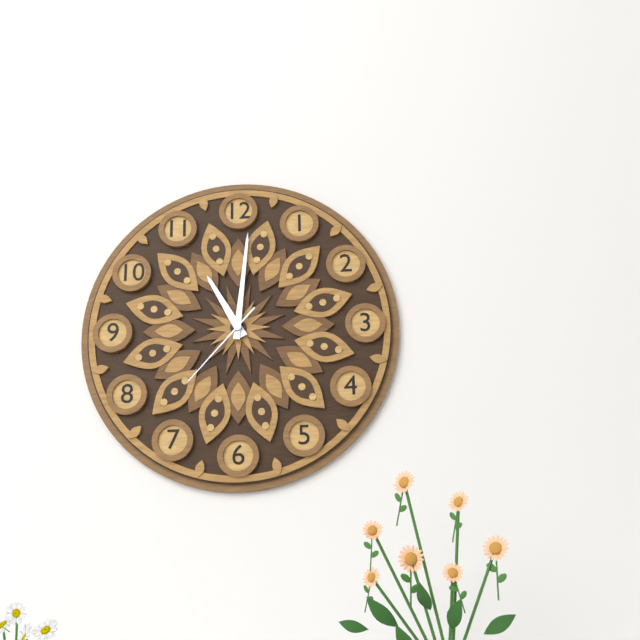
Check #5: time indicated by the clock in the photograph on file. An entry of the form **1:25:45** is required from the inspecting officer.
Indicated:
**11:01:37**
